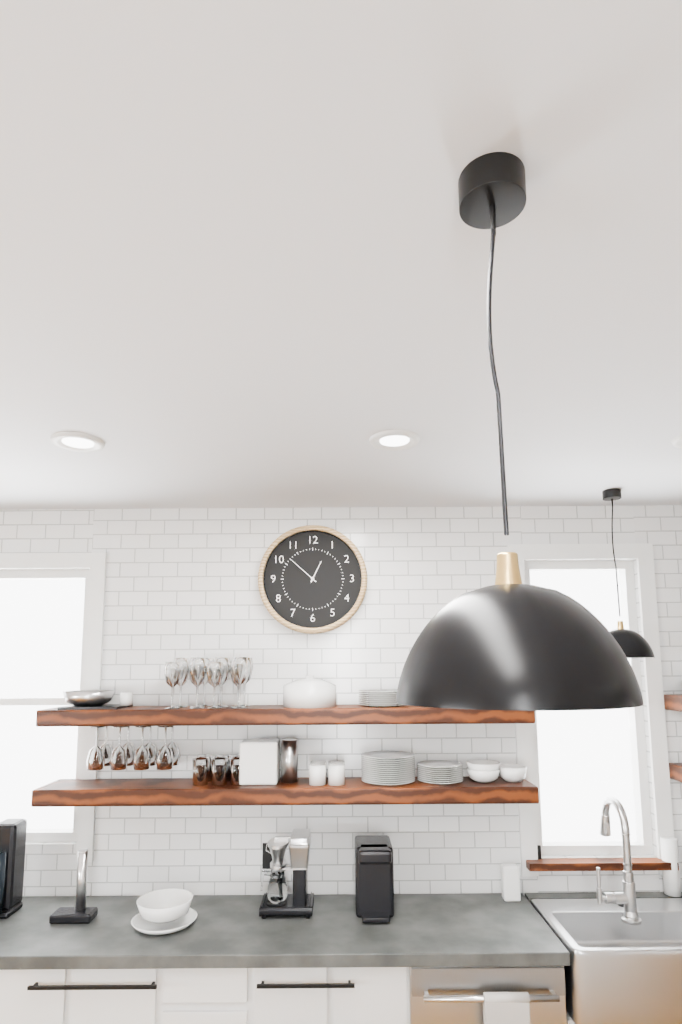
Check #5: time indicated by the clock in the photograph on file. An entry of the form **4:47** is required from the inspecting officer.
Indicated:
**12:52**
